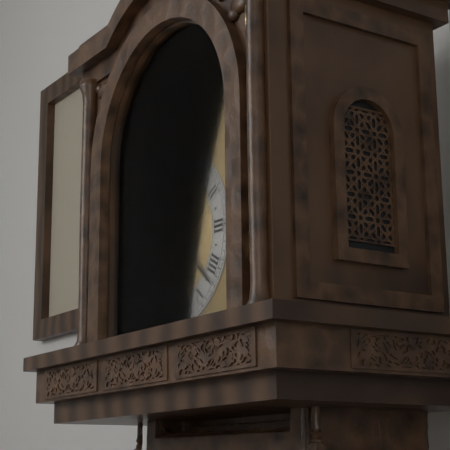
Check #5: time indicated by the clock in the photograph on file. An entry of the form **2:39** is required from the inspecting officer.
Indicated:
**12:22**
